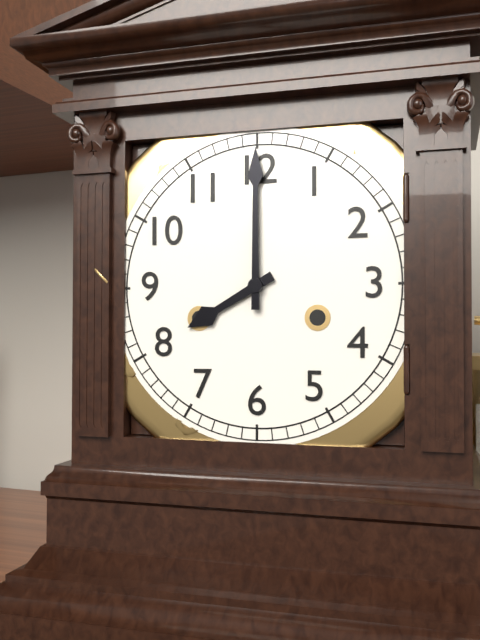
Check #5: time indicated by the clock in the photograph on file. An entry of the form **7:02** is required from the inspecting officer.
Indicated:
**8:00**
